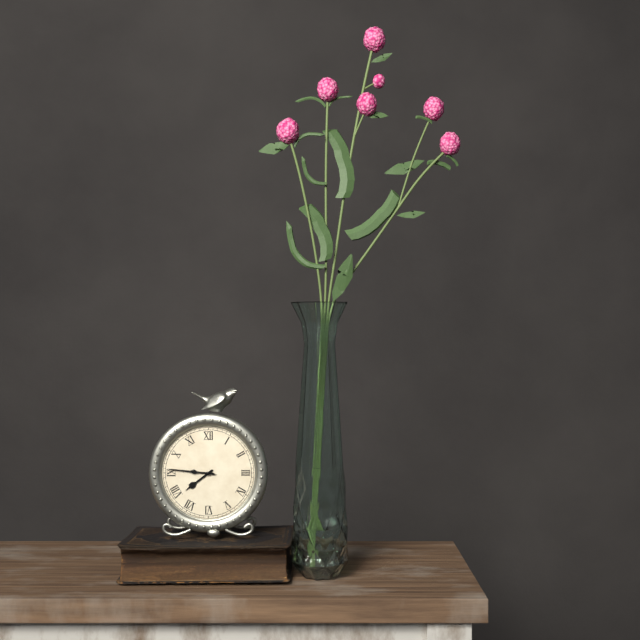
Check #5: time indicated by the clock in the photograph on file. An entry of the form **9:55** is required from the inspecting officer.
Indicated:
**7:46**
